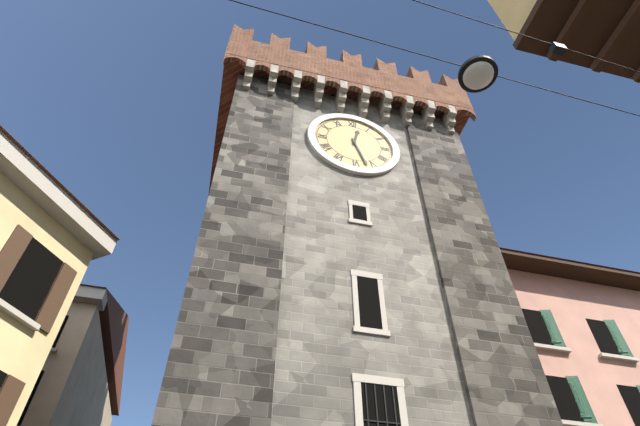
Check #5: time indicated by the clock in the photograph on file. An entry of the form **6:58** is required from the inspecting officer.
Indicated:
**12:27**
